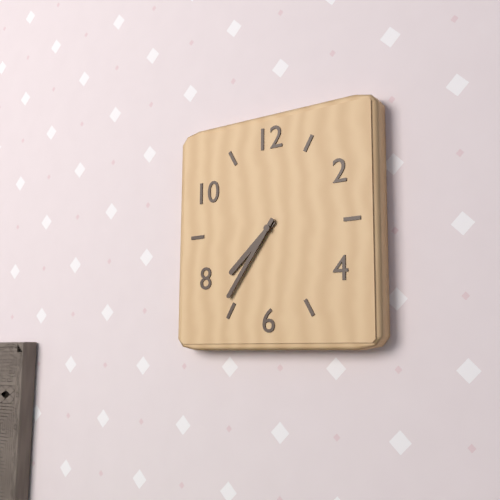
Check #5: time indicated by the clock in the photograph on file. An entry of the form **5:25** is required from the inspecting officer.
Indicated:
**7:36**
